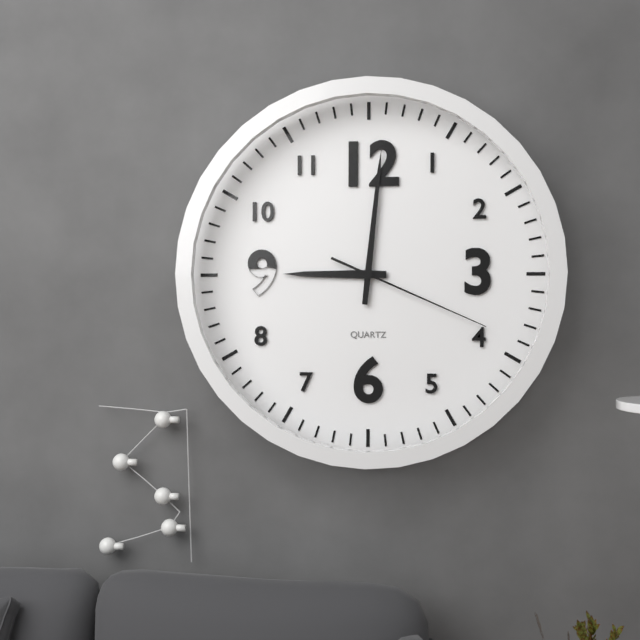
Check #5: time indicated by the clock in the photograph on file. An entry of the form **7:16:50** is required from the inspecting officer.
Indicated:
**9:01:19**
